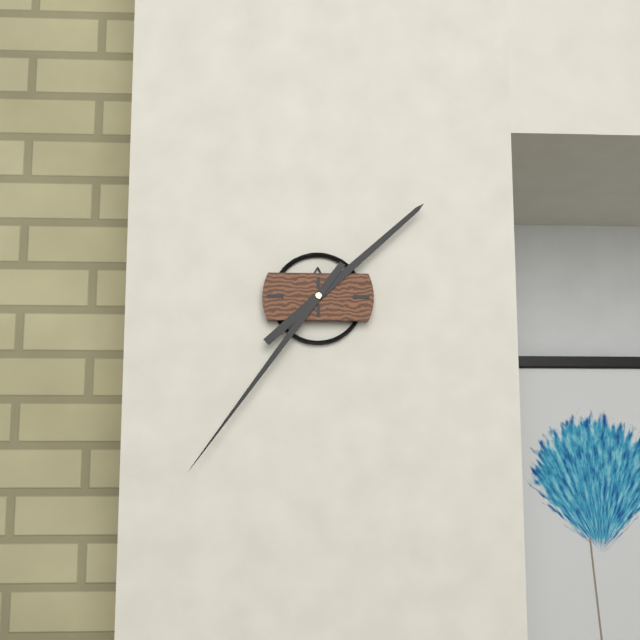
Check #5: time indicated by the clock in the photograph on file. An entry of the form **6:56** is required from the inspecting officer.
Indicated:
**1:36**
